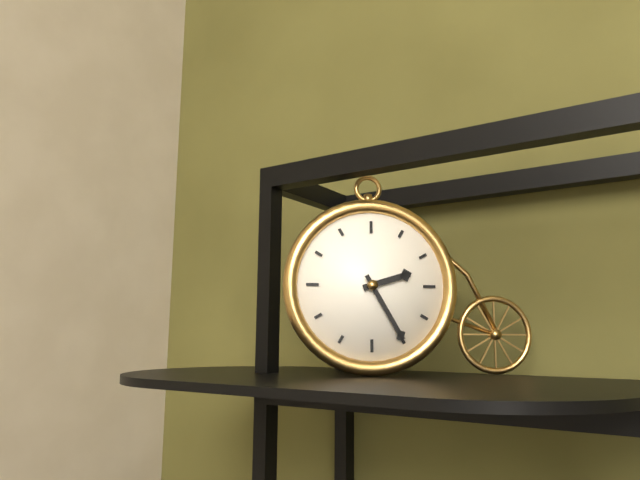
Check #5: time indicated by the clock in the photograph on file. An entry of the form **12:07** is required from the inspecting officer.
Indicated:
**2:25**
